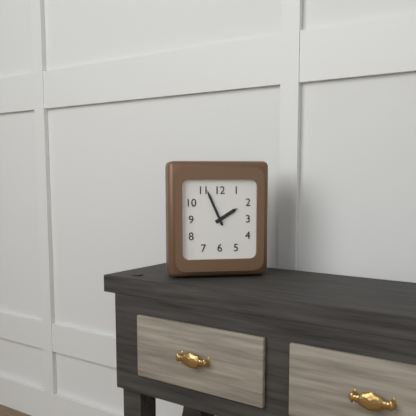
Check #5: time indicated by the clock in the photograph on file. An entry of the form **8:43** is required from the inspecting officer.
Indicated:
**1:56**
